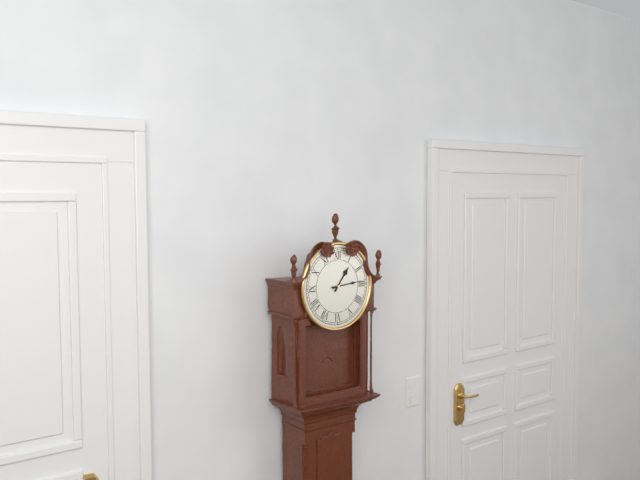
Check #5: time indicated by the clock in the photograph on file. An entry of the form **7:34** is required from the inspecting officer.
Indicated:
**1:14**
